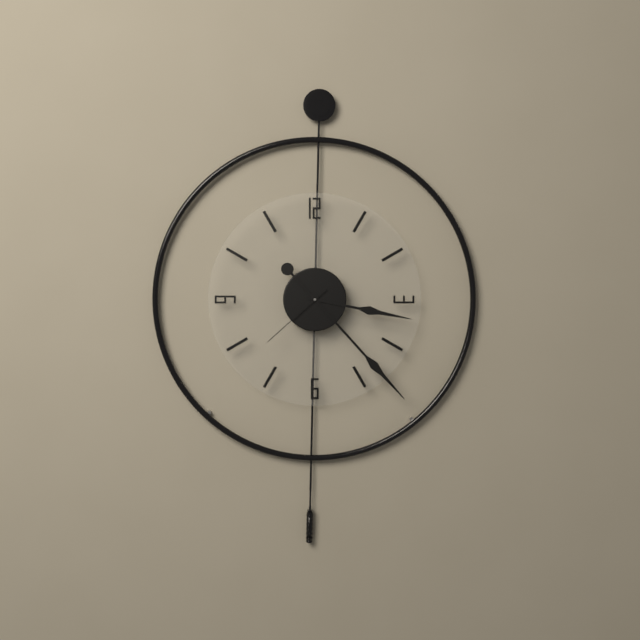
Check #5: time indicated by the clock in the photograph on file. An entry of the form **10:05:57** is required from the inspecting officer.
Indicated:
**3:23:38**
